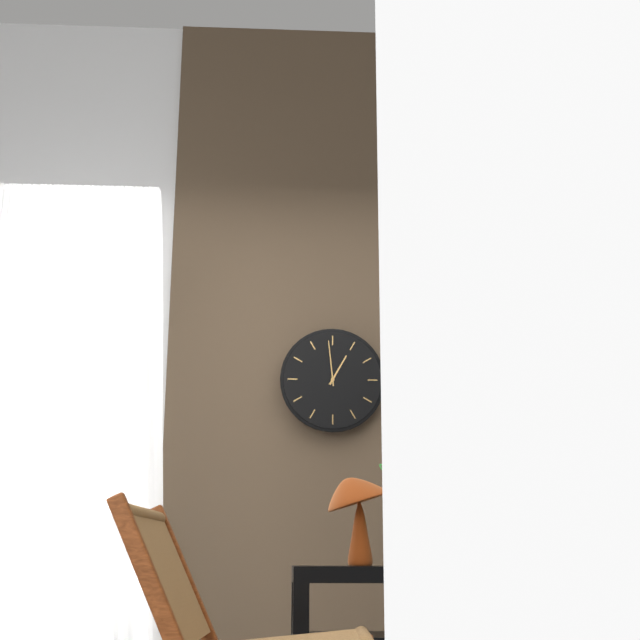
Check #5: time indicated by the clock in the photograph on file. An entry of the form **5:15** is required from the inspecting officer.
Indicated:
**12:59**
